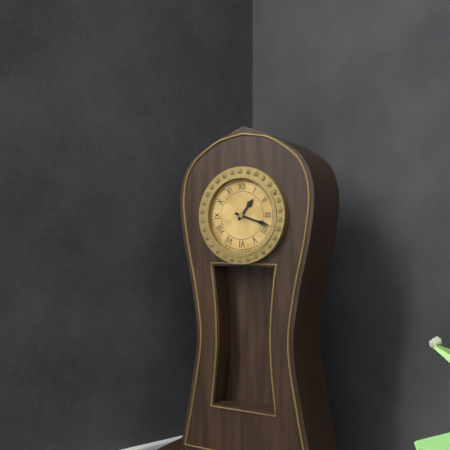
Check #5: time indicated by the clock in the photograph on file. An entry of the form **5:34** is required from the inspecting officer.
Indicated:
**1:18**
